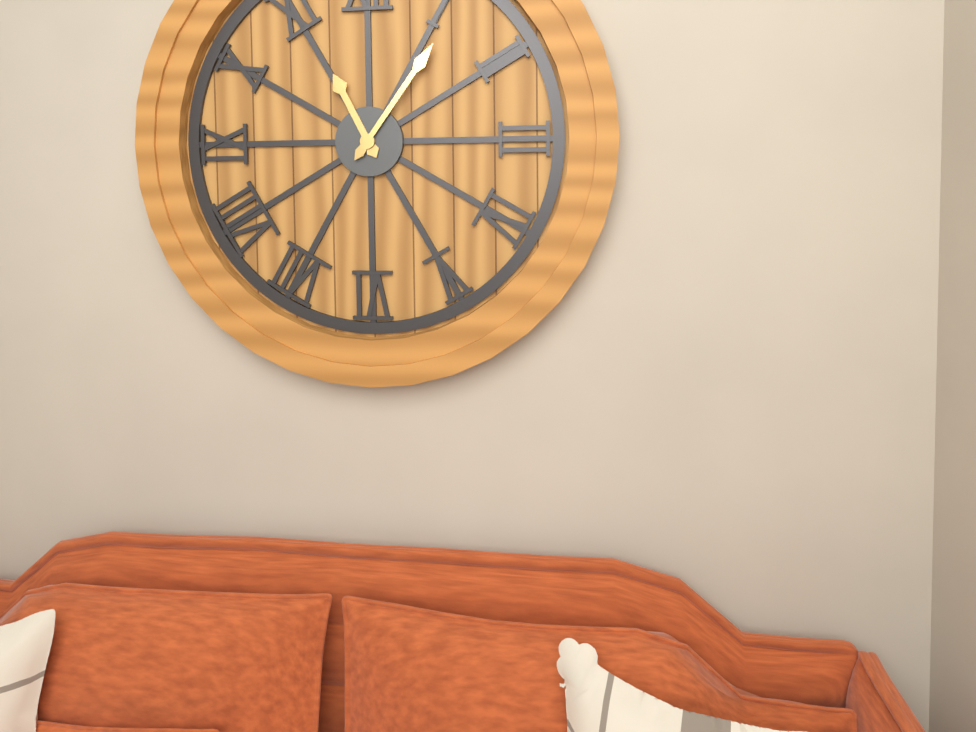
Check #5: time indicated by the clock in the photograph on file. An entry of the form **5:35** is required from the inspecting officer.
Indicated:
**11:06**
